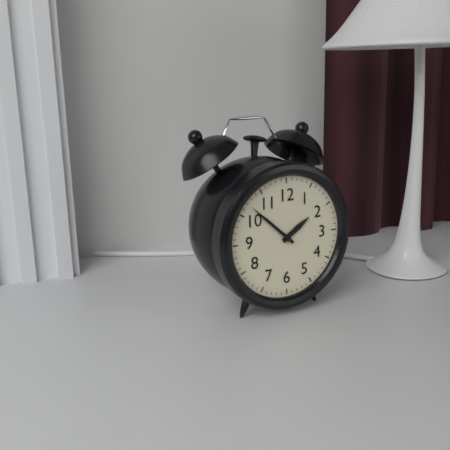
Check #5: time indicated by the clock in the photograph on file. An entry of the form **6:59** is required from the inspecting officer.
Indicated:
**1:52**
